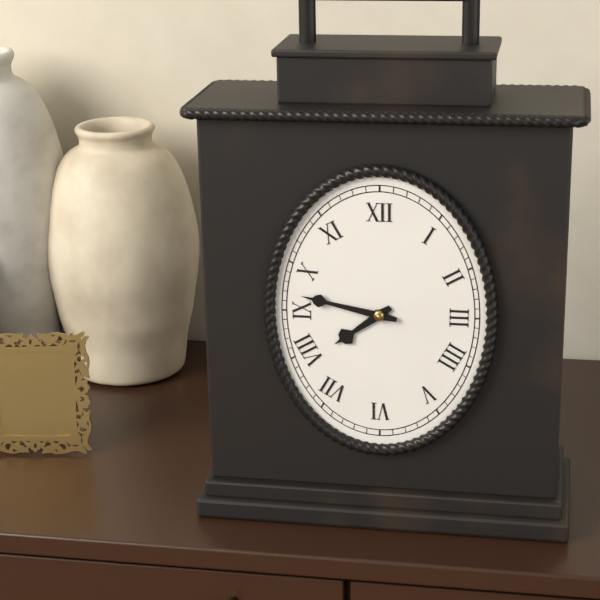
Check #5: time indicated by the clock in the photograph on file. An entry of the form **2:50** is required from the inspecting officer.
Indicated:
**7:47**
